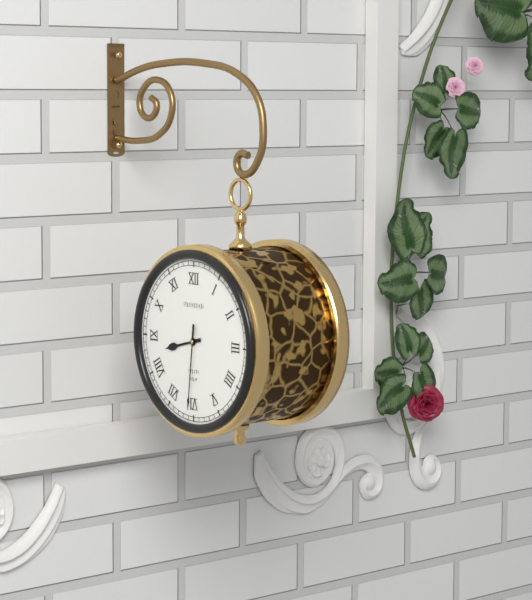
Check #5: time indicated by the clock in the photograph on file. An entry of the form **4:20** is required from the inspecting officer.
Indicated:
**8:31**
